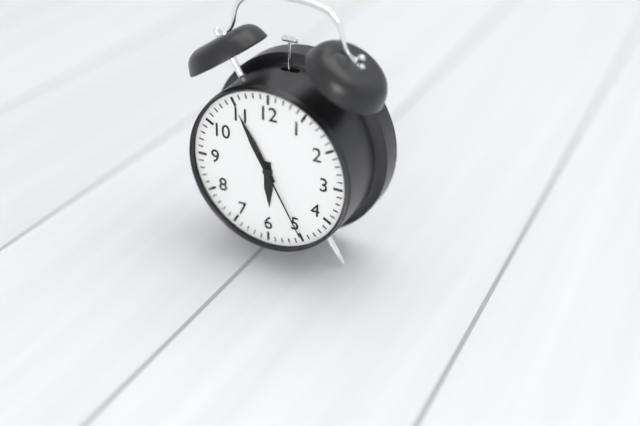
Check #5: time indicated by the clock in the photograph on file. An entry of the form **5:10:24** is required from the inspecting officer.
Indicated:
**5:55:25**
